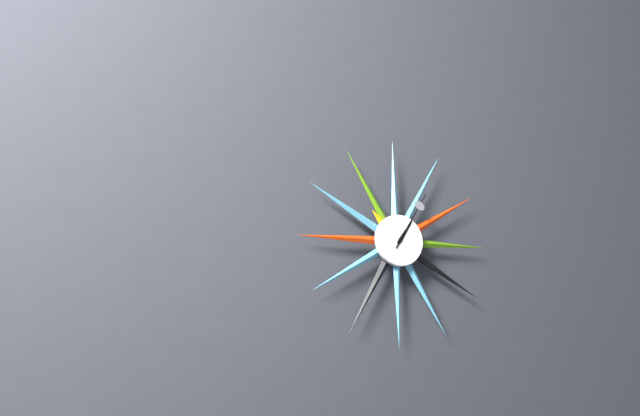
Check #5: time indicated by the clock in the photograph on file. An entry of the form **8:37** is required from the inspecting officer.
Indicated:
**1:05**
